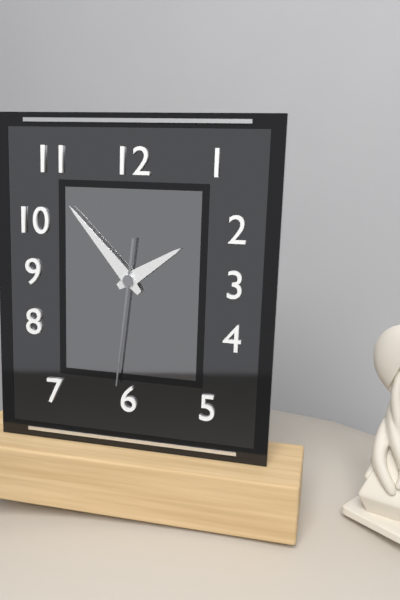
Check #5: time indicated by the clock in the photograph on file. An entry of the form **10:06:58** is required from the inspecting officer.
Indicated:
**1:53:31**
